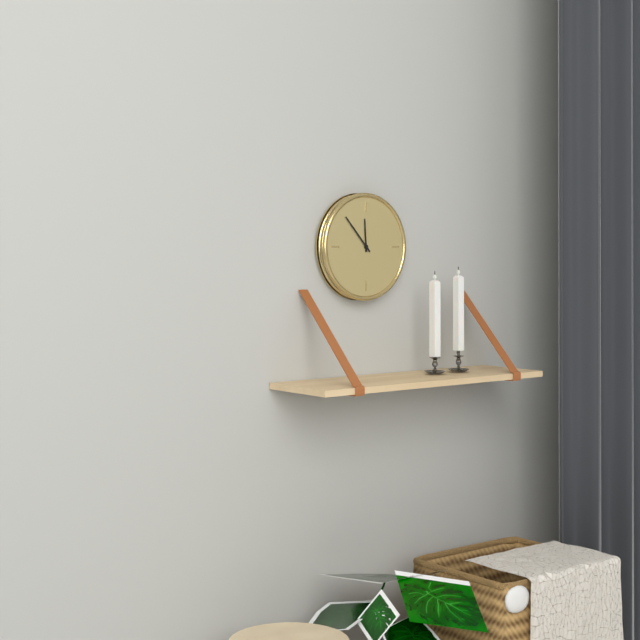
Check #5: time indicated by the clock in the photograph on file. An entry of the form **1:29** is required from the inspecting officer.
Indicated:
**11:53**
